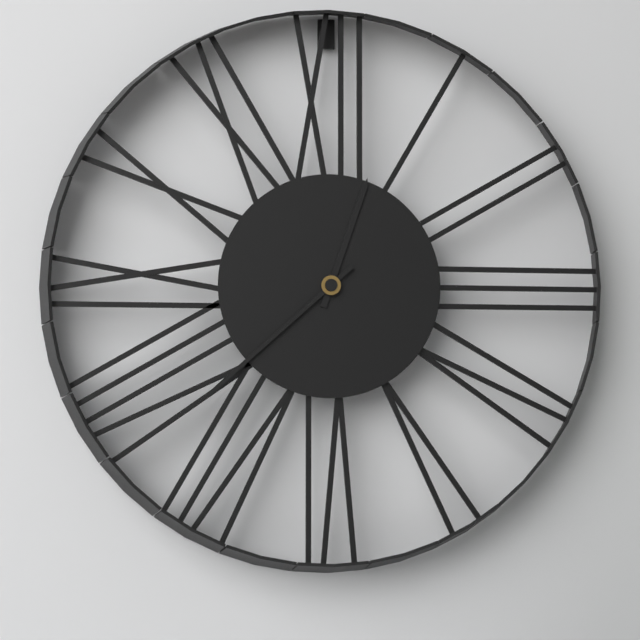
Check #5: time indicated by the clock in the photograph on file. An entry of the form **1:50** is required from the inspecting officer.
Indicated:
**12:38**
